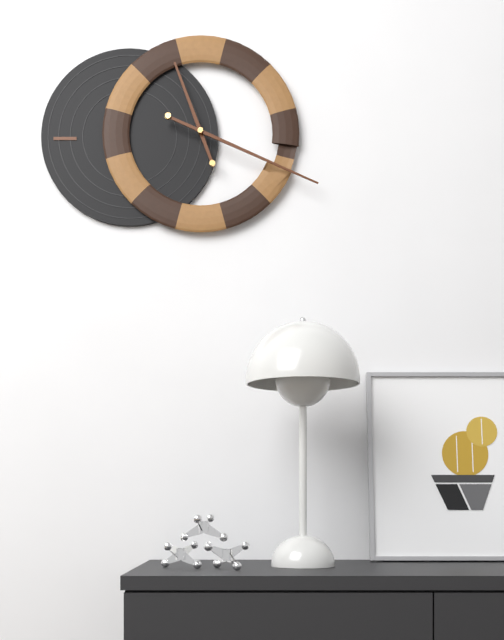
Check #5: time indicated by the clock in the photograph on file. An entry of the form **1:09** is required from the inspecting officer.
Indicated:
**11:19**
